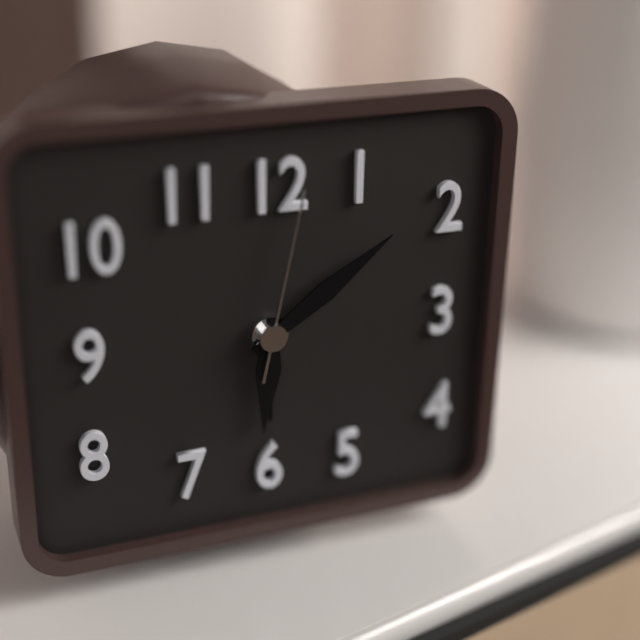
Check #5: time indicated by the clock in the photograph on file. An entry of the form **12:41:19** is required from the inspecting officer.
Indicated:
**6:09:02**
